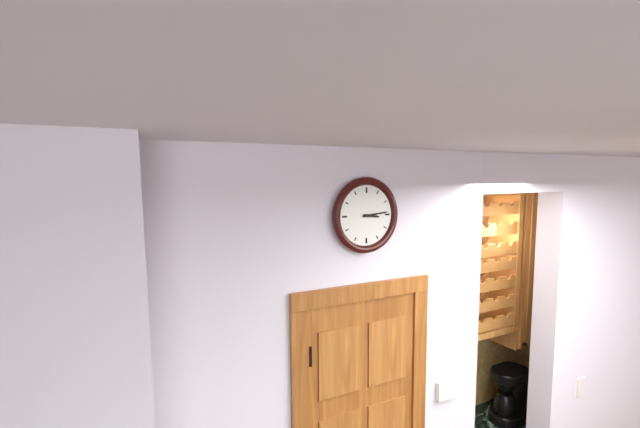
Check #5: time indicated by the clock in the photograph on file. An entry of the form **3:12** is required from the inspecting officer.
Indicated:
**3:14**
